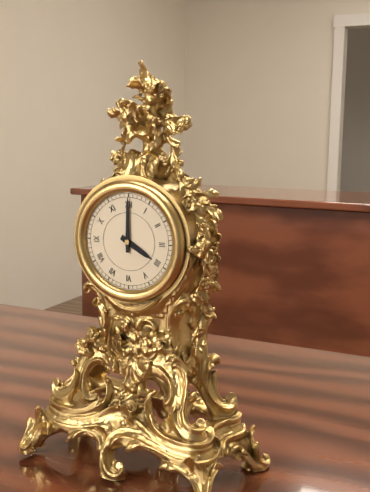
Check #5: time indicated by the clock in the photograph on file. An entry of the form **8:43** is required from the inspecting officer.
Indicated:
**4:00**
